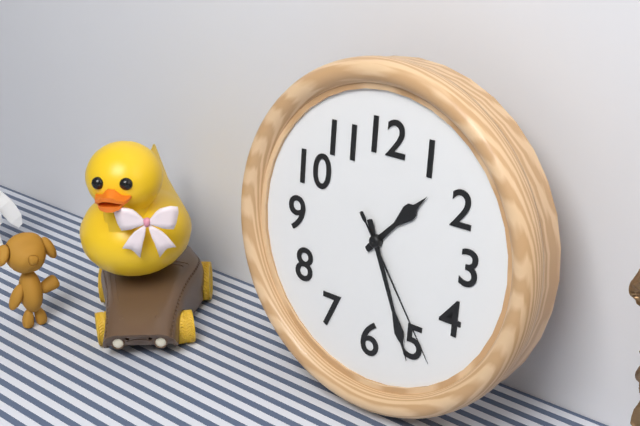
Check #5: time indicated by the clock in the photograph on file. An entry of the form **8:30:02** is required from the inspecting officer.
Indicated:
**1:26:24**
